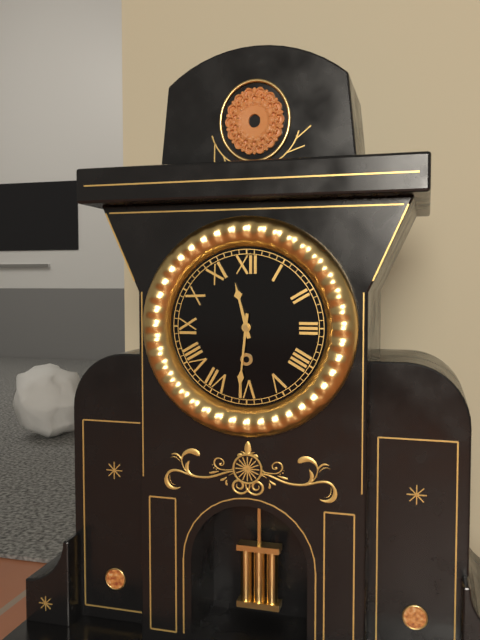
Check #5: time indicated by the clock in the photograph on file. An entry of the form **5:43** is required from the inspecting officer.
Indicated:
**11:31**
